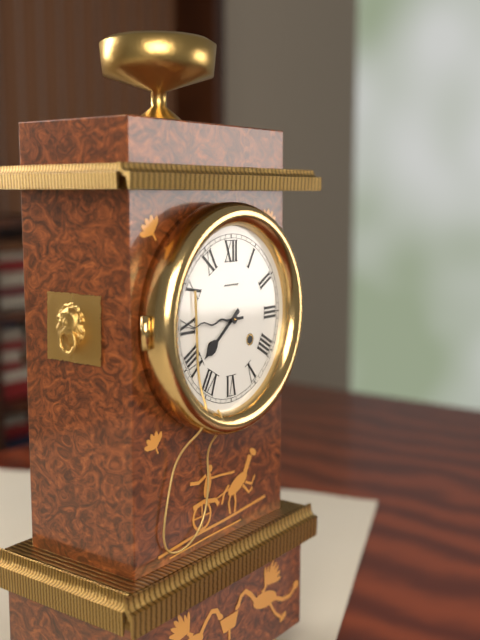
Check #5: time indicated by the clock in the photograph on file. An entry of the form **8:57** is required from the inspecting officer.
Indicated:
**7:45**
